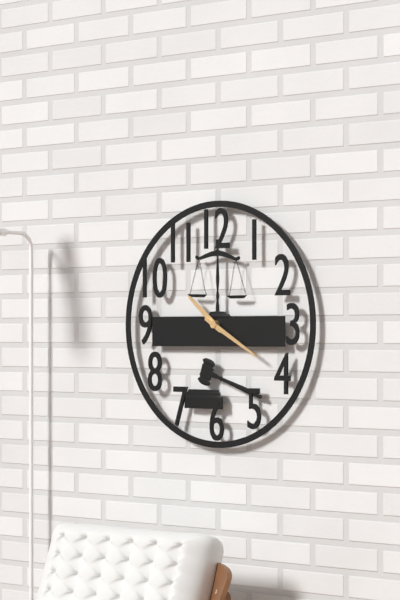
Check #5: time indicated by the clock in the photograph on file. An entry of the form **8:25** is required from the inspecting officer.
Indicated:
**10:20**
